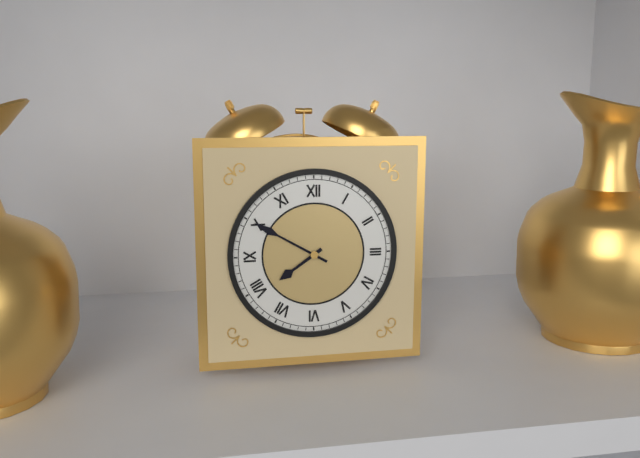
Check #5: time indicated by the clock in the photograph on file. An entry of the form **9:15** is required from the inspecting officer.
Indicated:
**7:50**
